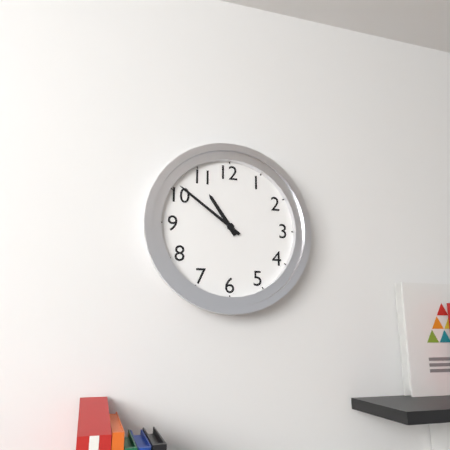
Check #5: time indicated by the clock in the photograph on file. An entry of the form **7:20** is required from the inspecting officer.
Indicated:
**10:51**
